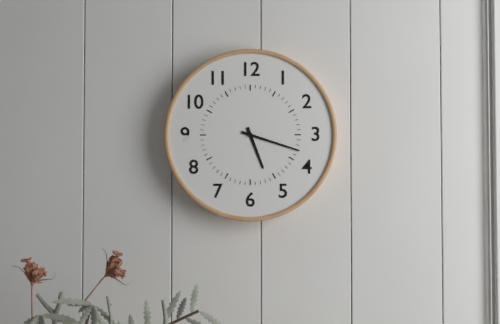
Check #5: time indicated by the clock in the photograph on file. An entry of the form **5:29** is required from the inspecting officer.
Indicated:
**5:18**
